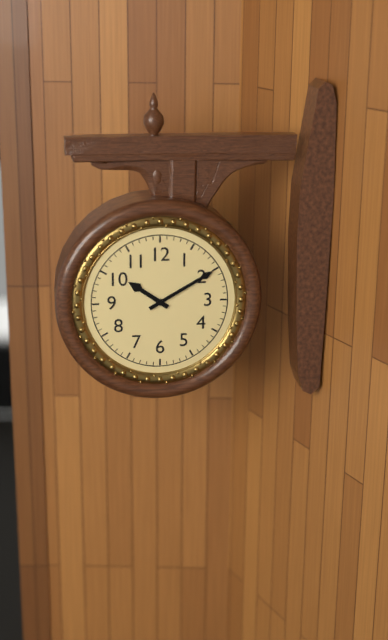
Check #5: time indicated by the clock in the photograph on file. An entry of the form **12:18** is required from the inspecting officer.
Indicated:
**10:10**
